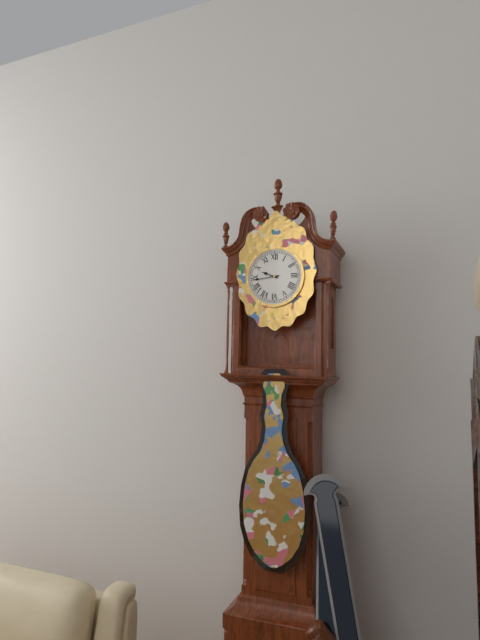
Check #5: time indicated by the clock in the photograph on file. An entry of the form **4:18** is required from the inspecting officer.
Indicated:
**9:44**
